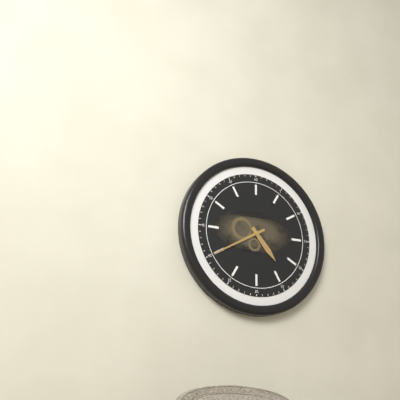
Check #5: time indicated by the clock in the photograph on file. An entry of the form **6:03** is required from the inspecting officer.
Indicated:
**4:40**
